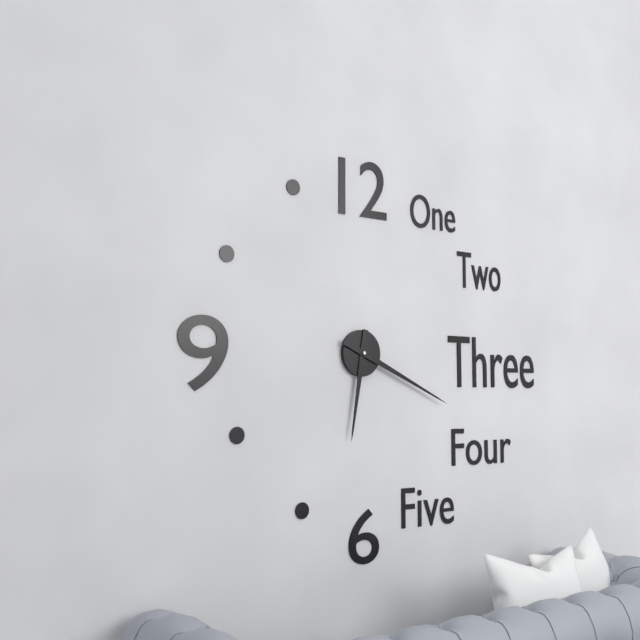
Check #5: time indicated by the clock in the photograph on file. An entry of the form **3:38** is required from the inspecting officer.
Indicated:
**6:19**
